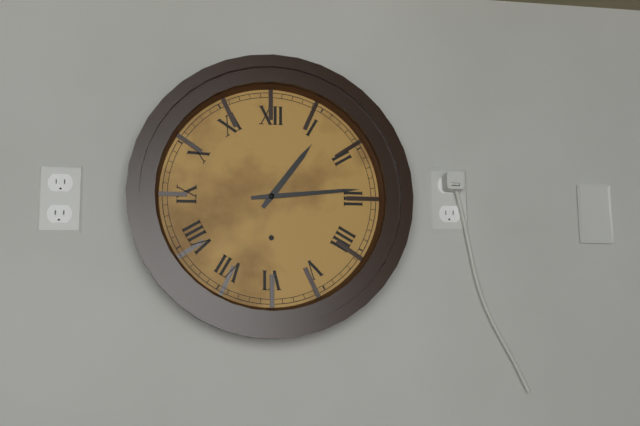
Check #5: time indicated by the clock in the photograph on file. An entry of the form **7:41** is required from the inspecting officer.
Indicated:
**1:14**
